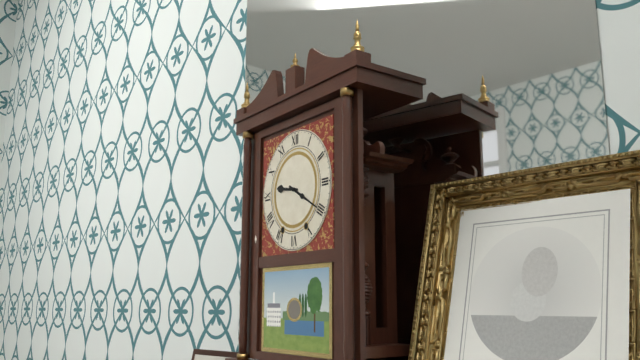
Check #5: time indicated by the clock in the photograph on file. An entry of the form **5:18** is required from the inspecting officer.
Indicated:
**9:20**
